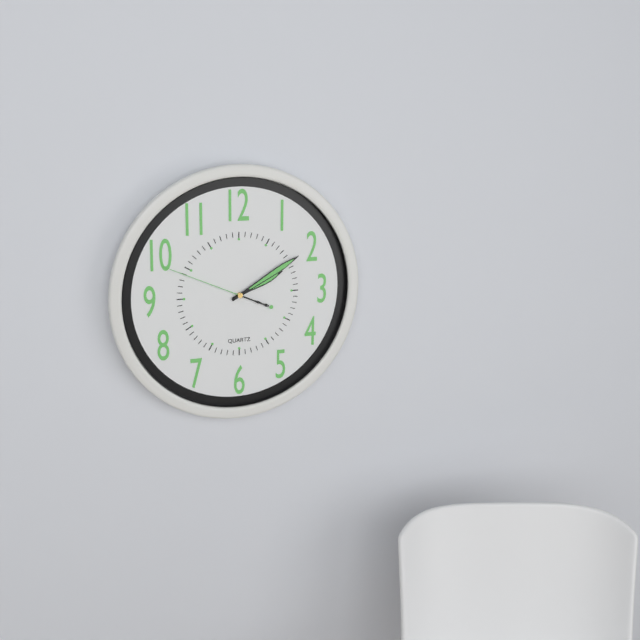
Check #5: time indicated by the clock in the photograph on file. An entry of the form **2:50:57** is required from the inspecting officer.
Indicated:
**2:10:49**
